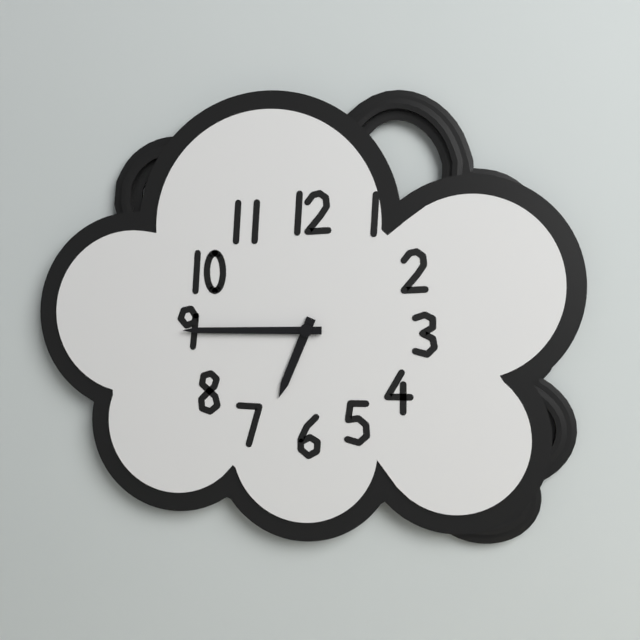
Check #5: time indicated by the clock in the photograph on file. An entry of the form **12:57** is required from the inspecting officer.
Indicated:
**6:45**
